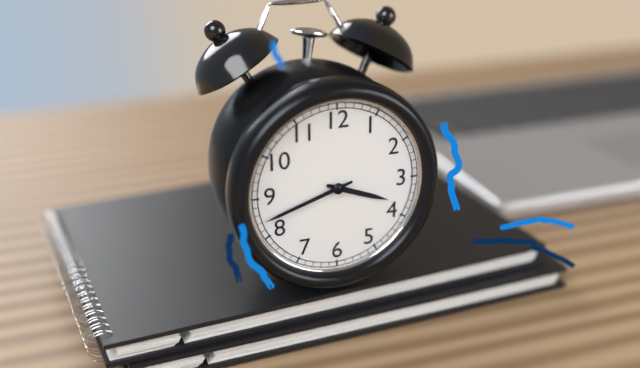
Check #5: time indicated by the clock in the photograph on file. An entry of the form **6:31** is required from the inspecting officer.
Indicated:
**3:42**
